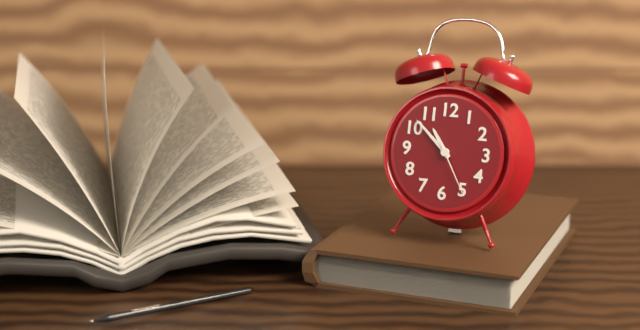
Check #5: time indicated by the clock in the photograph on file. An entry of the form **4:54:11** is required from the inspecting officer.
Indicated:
**10:52:25**
